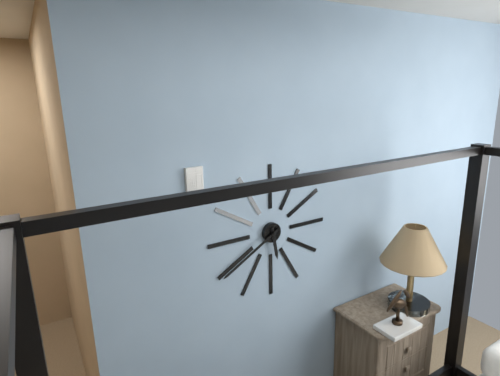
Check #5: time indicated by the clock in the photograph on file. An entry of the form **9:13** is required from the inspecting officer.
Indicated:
**5:40**
